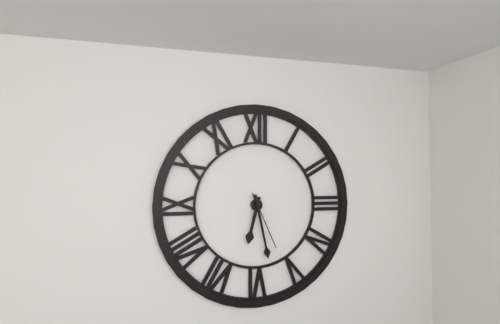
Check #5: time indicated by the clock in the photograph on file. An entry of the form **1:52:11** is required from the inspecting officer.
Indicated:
**6:28:26**
